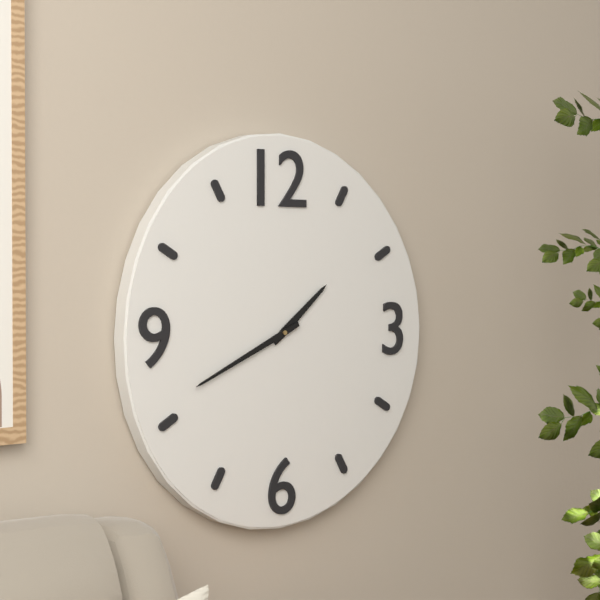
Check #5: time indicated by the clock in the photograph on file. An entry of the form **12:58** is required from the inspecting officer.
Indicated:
**1:41**
